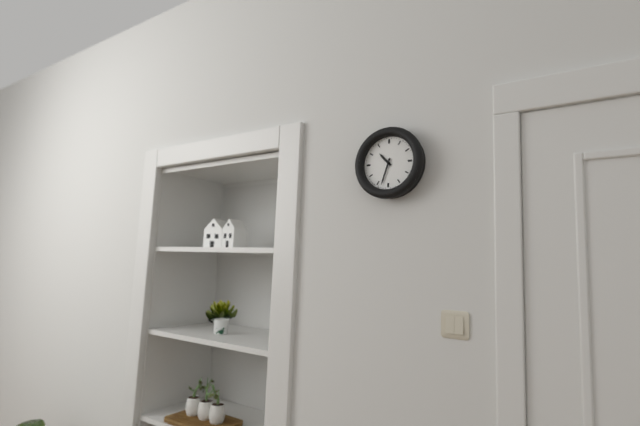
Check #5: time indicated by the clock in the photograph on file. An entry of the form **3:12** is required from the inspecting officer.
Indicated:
**10:33**
